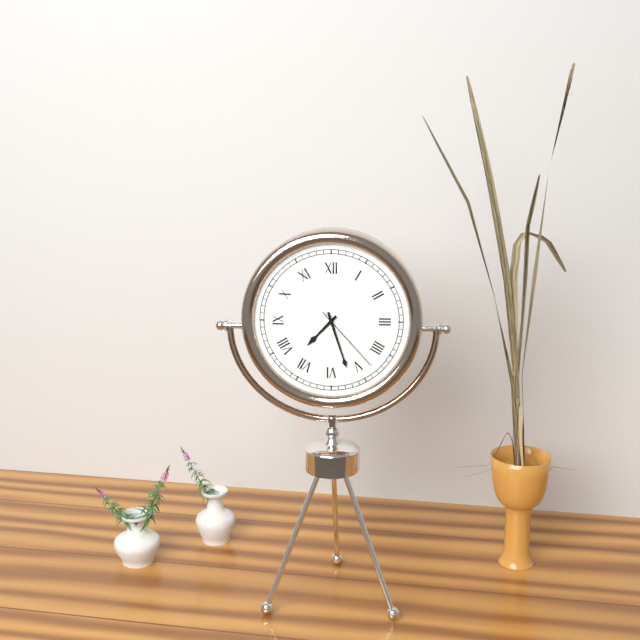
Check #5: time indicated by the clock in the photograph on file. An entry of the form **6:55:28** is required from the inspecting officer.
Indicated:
**7:27:23**
